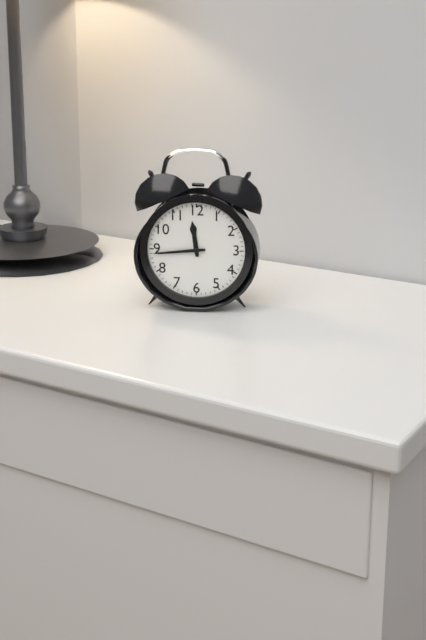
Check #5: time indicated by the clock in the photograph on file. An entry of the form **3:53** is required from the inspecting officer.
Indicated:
**11:44**
